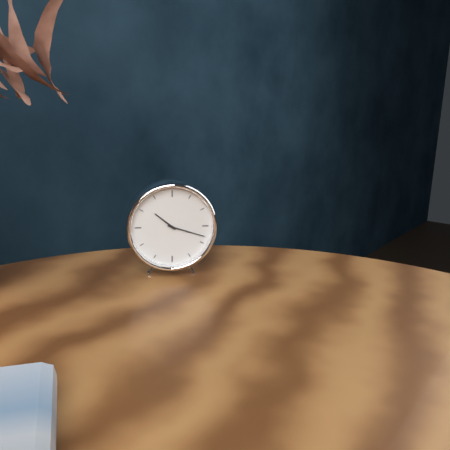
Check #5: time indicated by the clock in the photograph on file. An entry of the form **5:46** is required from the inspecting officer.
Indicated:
**10:18**
